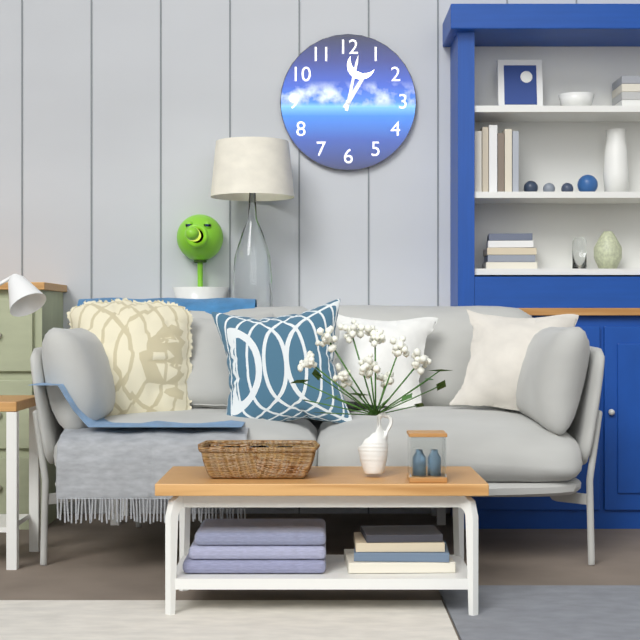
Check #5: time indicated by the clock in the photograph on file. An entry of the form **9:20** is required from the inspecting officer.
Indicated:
**1:02**
